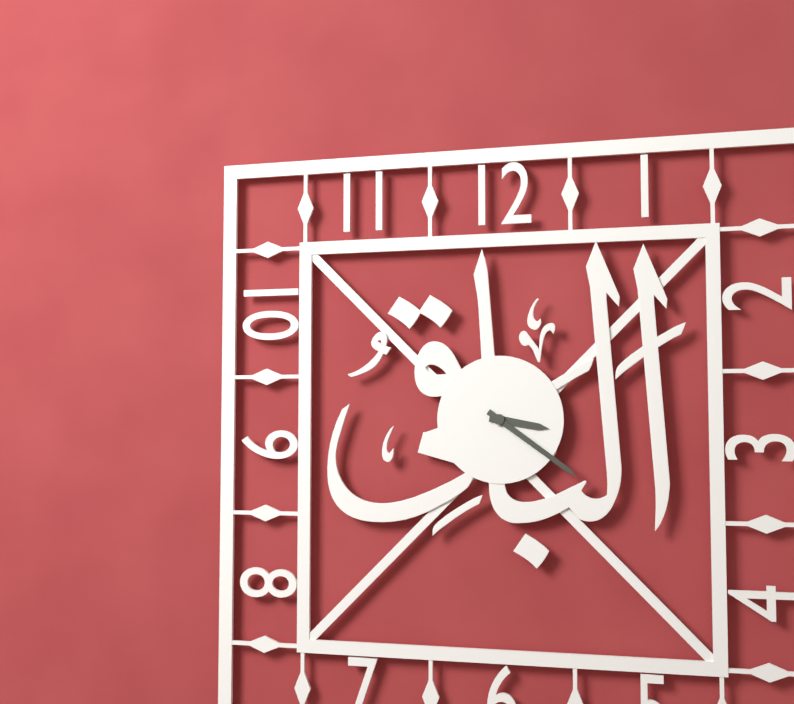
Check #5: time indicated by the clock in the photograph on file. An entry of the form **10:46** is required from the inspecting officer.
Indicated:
**3:21**
